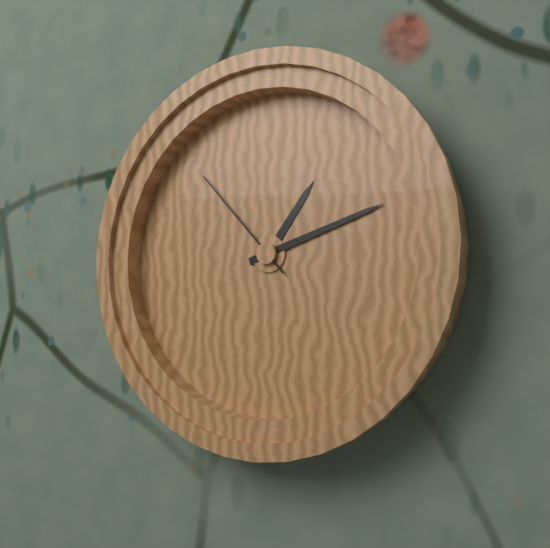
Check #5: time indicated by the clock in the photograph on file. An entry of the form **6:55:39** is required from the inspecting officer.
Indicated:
**1:12:53**
